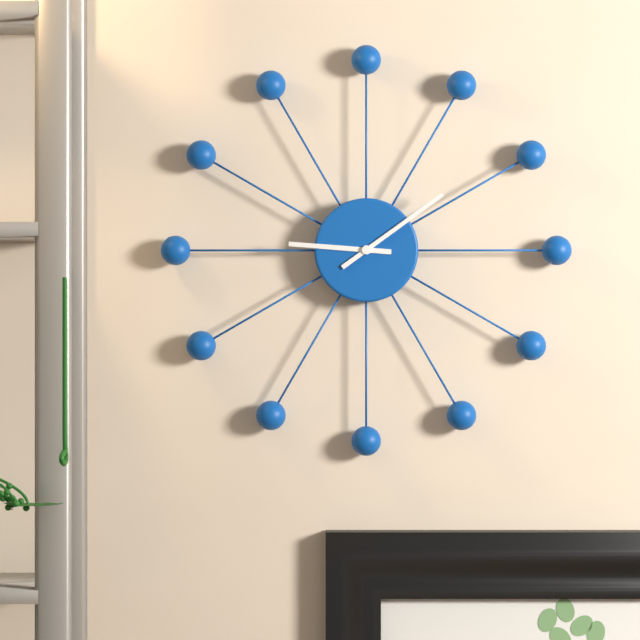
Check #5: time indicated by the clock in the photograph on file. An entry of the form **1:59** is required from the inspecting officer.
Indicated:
**9:09**
